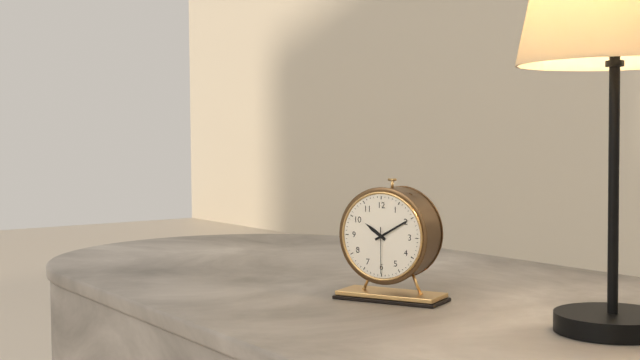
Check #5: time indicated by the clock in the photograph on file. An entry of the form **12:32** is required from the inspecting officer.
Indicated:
**10:10**
